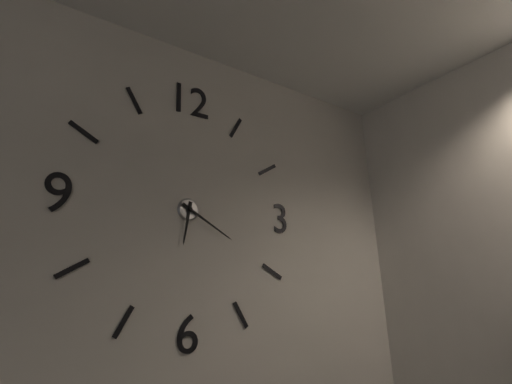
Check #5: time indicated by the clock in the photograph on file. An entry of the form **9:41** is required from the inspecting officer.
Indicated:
**6:20**
